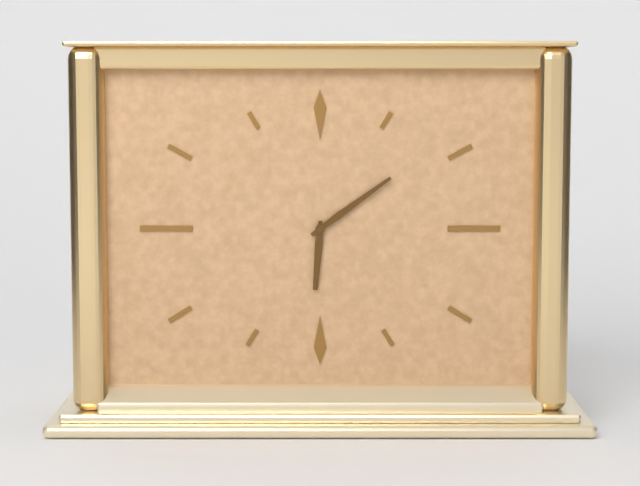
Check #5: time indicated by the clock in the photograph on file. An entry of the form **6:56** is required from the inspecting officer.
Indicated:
**6:09**
